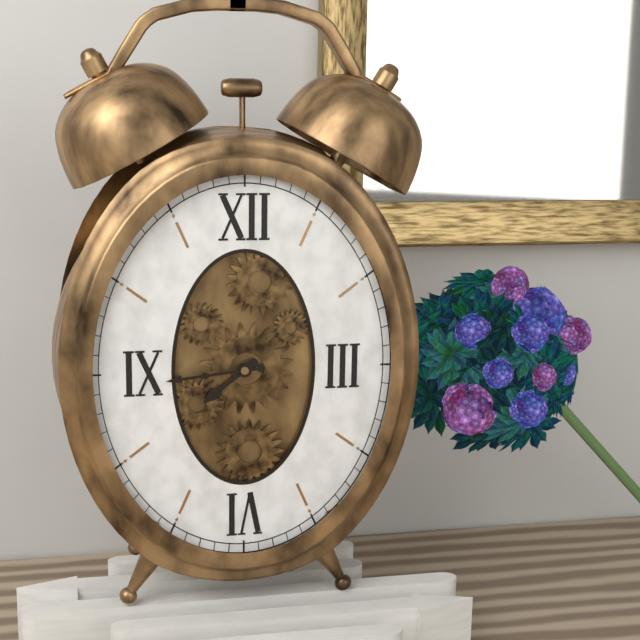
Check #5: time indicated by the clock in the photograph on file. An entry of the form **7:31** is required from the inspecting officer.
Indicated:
**7:44**
